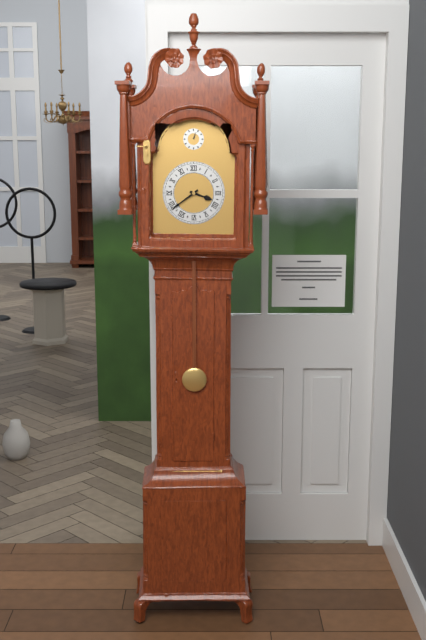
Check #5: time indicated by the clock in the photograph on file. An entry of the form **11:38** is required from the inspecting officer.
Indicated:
**3:39**
